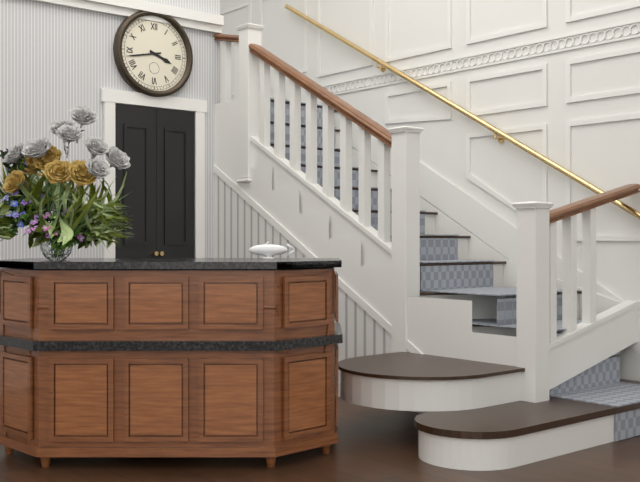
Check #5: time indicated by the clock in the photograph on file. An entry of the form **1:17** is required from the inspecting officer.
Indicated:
**3:43**
